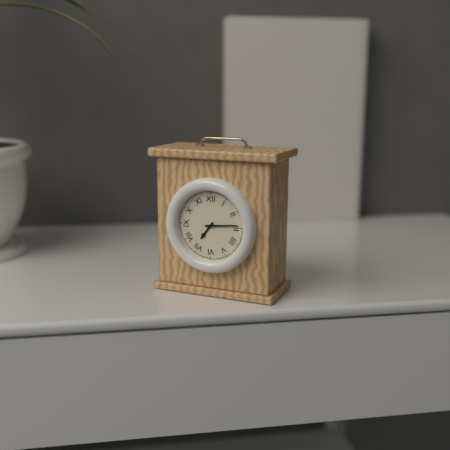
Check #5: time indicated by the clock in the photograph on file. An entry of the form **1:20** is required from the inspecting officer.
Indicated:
**7:14**
